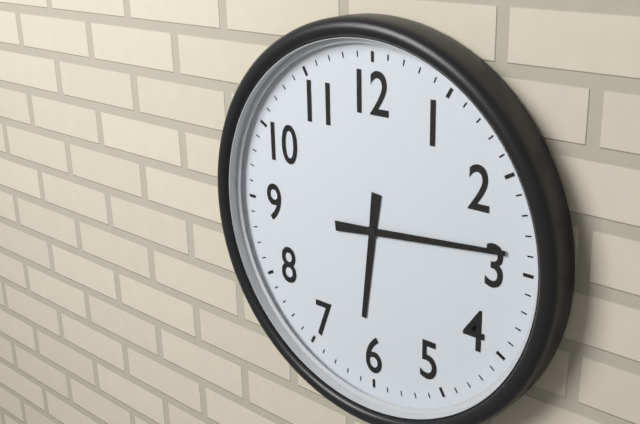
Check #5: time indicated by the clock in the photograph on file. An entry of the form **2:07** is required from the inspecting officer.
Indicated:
**6:14**
